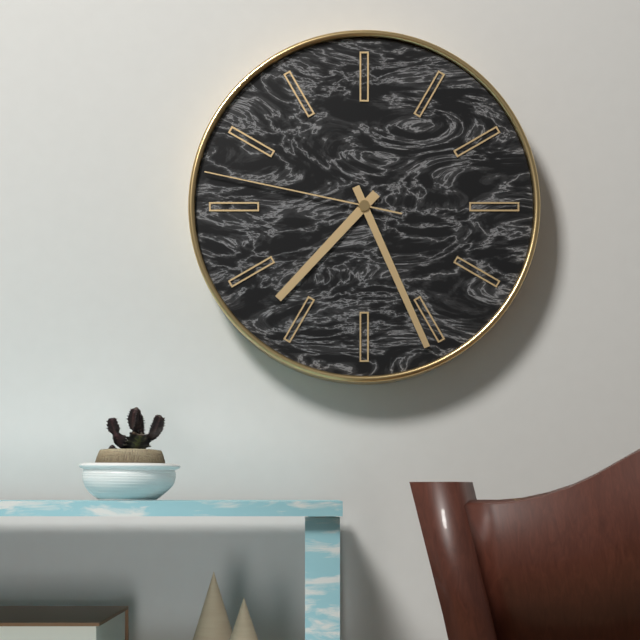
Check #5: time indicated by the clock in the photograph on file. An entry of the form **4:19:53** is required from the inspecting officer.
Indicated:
**7:26:47**
